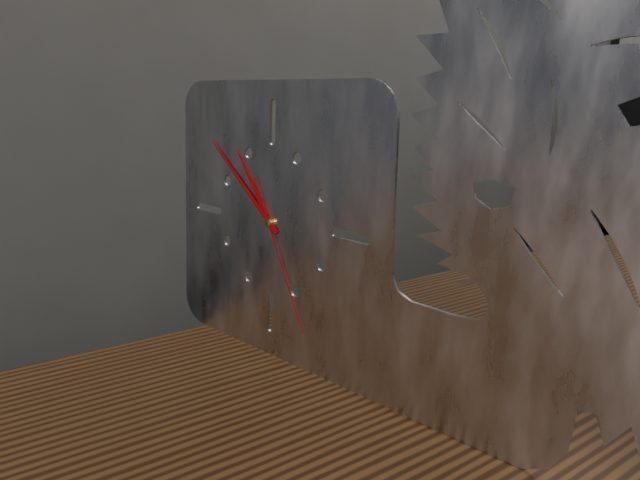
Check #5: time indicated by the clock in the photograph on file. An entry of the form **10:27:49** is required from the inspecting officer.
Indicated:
**10:52:26**
